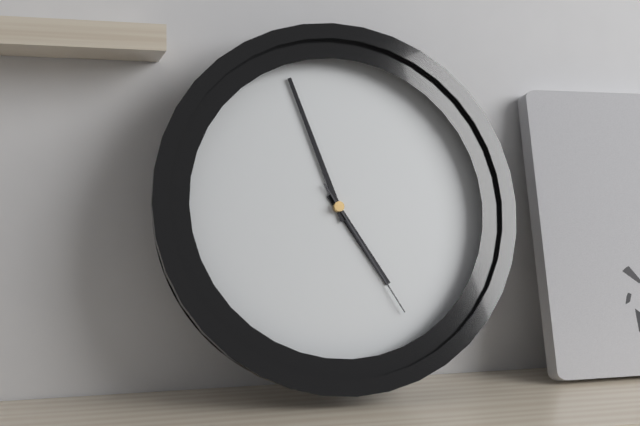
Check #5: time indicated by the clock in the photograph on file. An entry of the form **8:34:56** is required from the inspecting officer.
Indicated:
**4:57:25**
